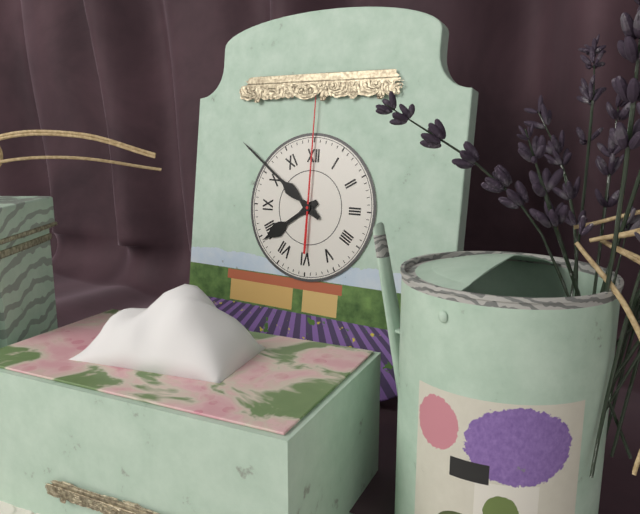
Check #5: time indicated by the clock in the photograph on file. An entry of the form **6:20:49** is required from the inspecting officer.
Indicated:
**7:51:00**
